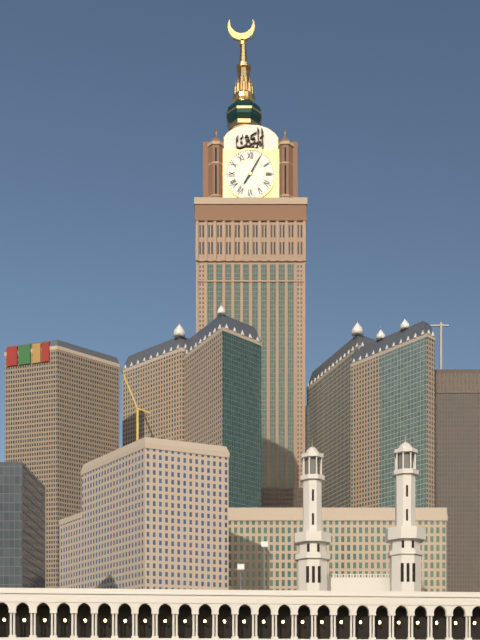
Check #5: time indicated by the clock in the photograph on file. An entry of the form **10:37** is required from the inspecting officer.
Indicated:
**7:05**
